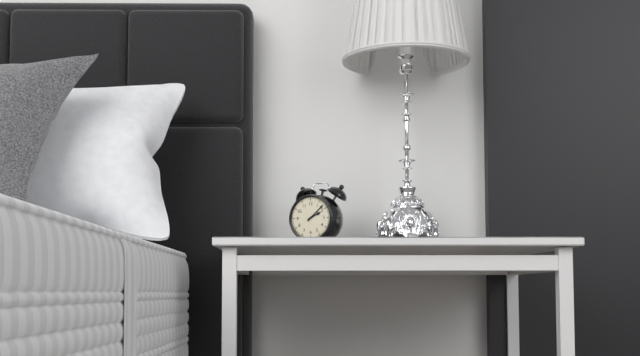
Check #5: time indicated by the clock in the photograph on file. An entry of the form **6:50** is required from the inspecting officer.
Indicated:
**2:08**
